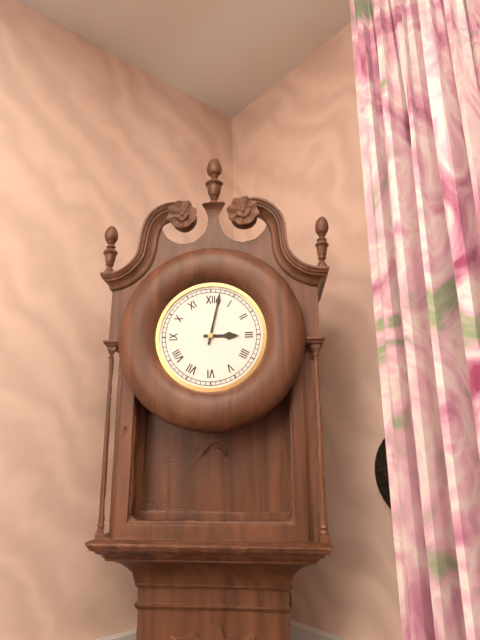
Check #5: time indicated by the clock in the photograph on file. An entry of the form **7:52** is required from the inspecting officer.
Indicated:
**3:02**
